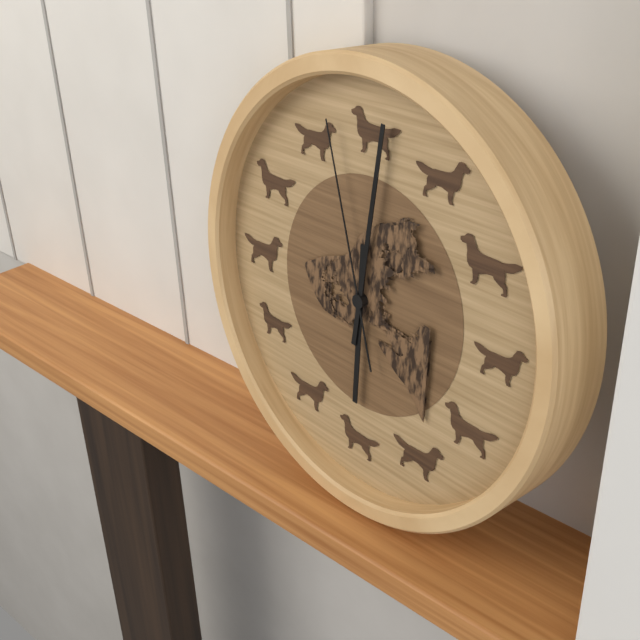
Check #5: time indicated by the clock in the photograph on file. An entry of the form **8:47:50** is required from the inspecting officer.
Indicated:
**6:01:57**
